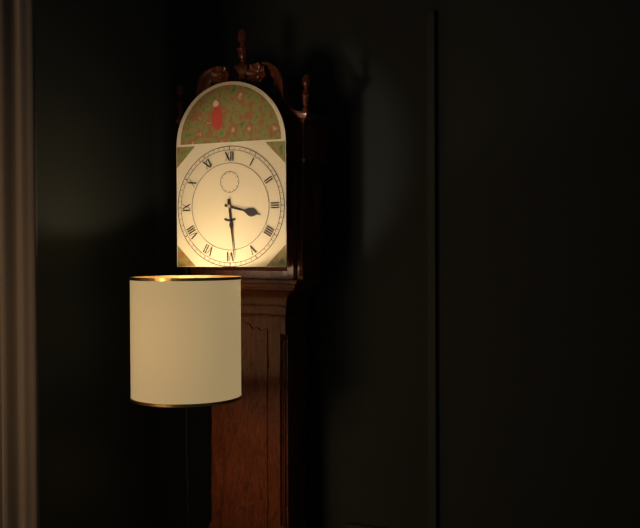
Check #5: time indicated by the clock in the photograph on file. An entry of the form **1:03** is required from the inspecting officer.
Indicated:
**3:29**
